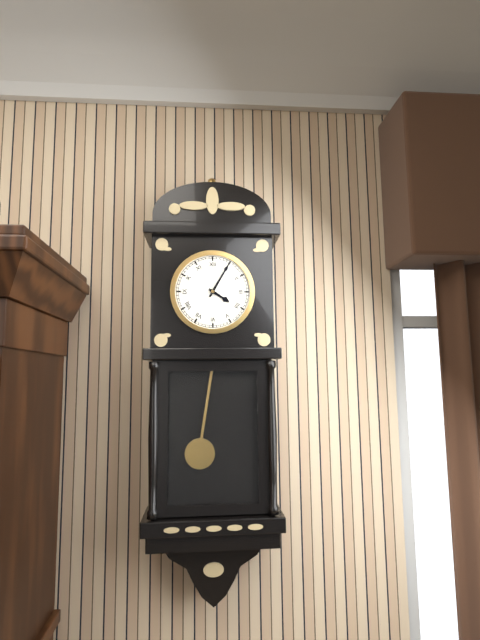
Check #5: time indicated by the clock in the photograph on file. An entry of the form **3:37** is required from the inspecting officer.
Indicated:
**4:05**
